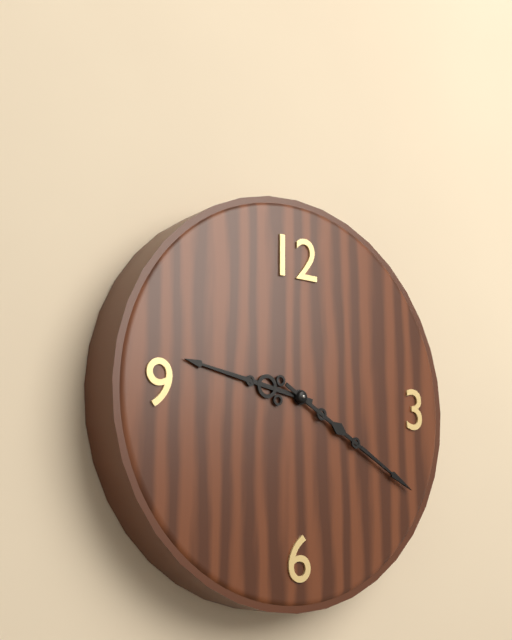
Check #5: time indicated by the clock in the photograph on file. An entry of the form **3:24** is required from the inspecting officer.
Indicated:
**9:20**
